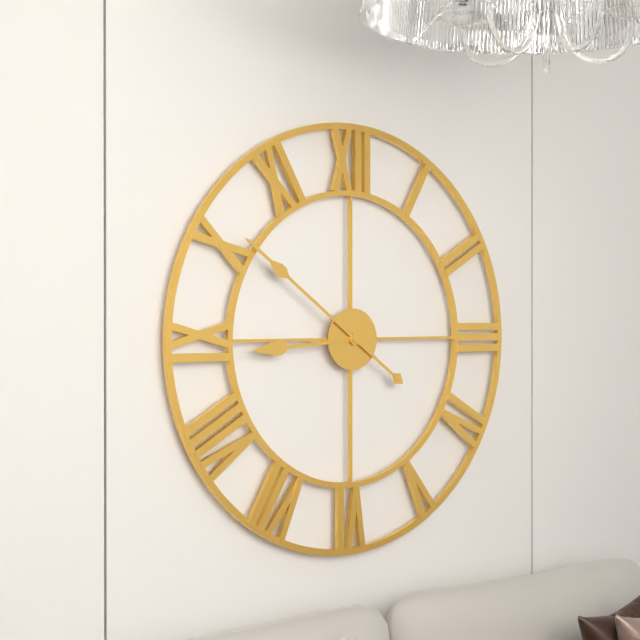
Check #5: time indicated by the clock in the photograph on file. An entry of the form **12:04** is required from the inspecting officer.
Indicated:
**8:51**
